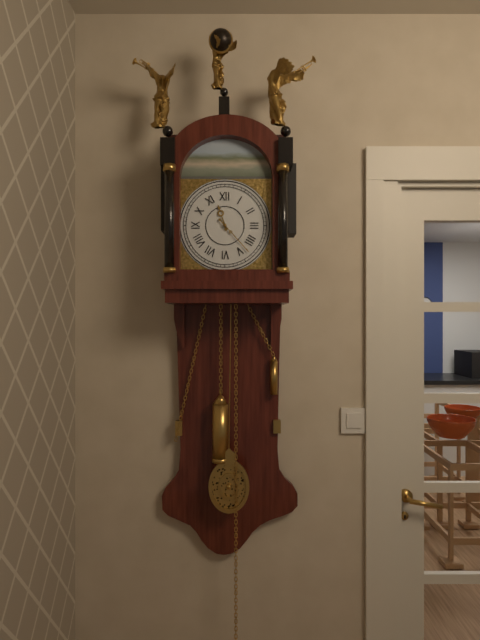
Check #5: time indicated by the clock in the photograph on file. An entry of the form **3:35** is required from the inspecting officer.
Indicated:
**11:23**
